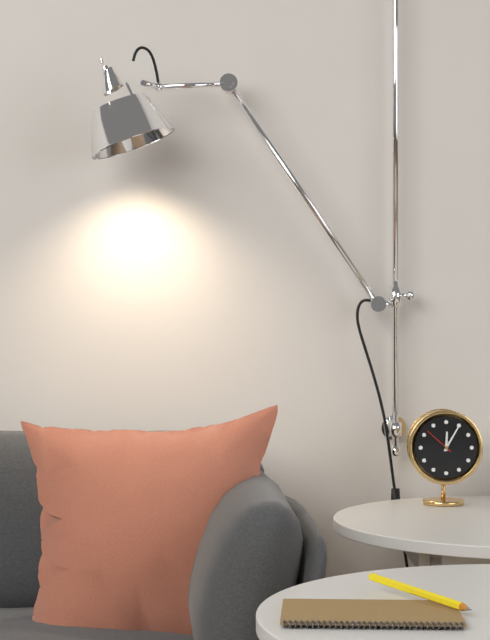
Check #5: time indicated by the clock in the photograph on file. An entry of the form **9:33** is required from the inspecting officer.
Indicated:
**12:05**
